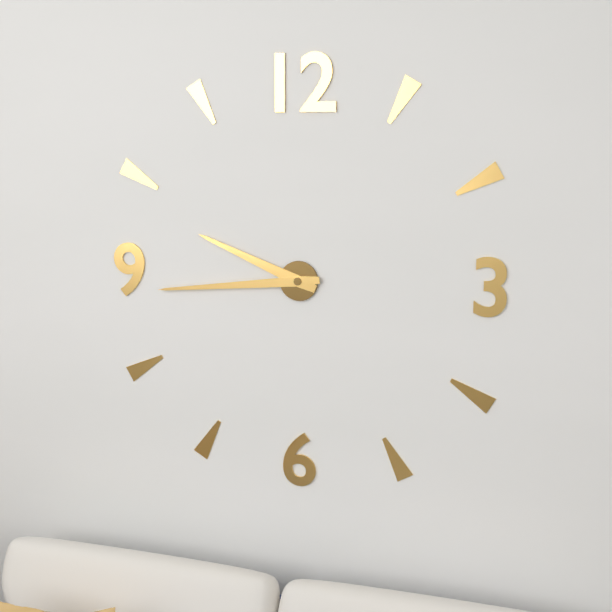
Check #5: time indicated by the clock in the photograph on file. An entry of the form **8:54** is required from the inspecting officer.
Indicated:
**9:44**
